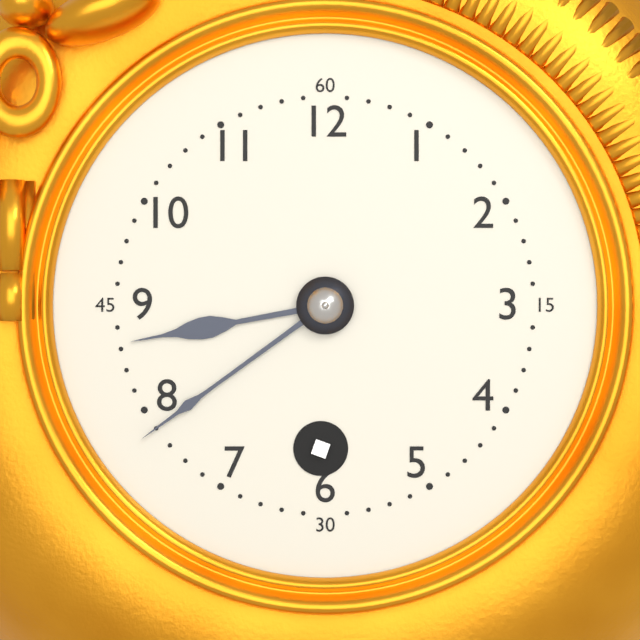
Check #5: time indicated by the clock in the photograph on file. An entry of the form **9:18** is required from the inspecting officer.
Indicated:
**8:39**
